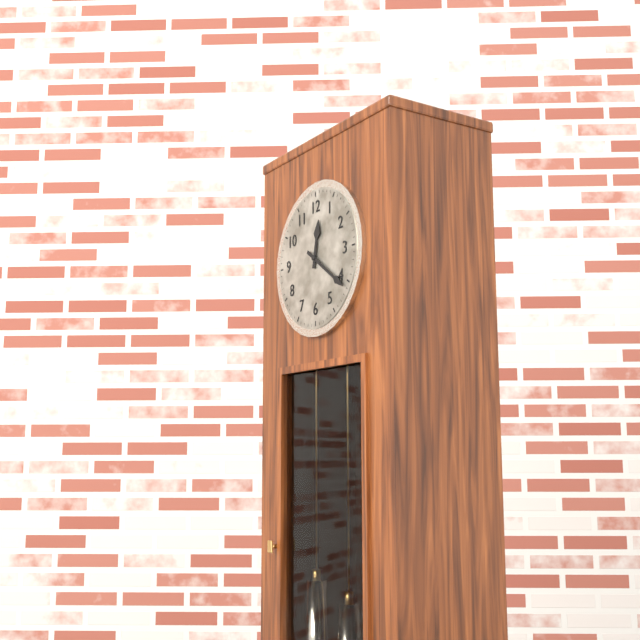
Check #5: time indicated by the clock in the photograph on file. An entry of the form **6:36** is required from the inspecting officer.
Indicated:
**12:21**
